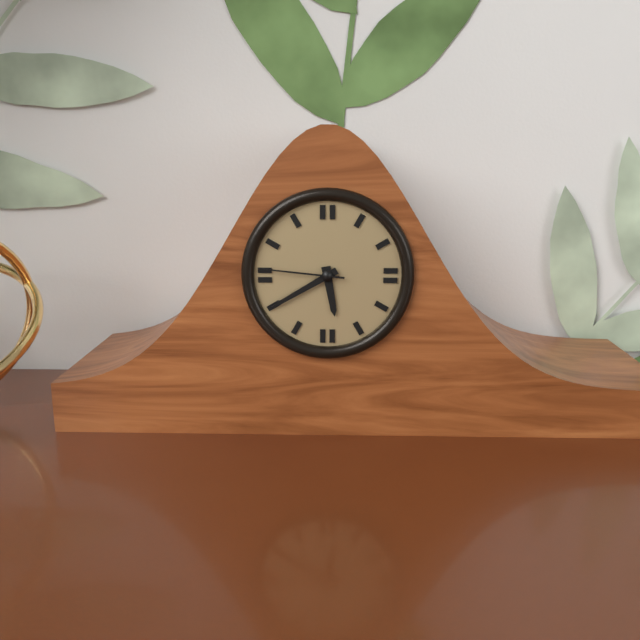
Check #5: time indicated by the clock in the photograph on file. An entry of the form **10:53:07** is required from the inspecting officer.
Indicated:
**5:40:46**
